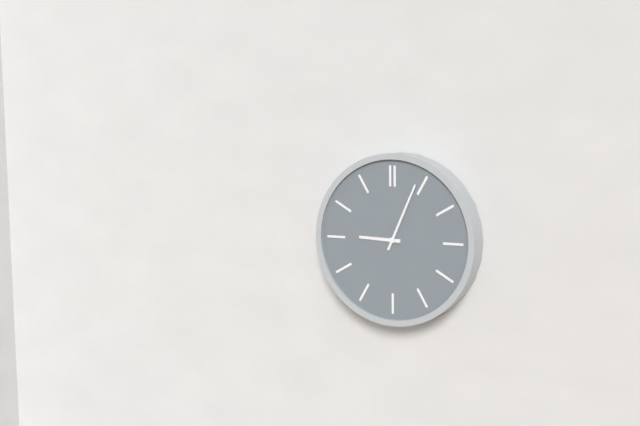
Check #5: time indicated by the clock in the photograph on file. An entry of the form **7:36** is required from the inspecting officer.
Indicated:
**9:04**
